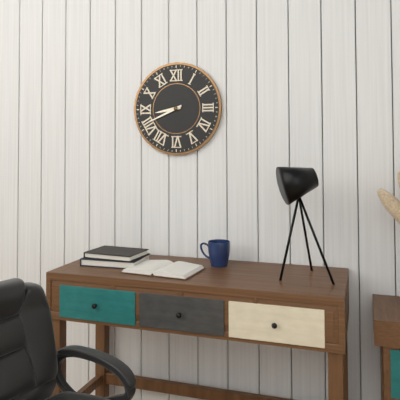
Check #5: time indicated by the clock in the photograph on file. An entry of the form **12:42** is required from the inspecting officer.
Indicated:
**8:41**
